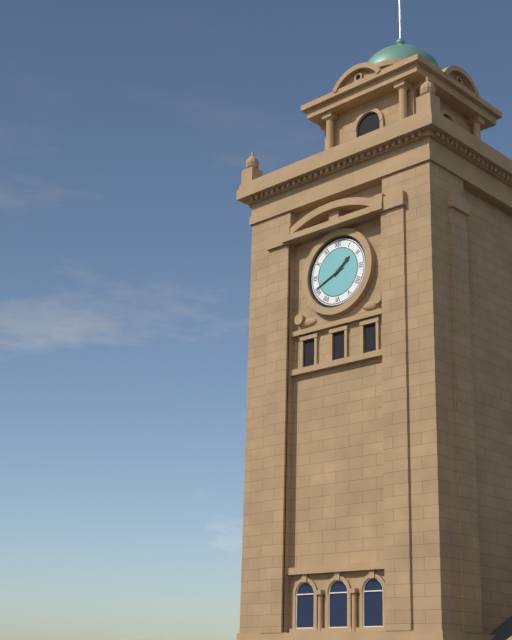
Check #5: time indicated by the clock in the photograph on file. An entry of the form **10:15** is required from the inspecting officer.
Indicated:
**1:41**
